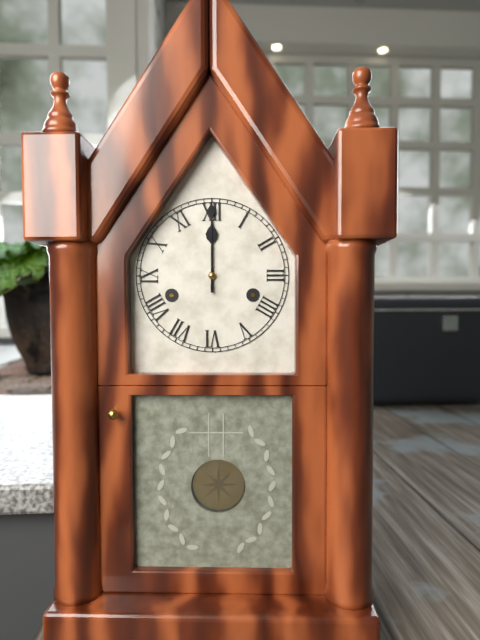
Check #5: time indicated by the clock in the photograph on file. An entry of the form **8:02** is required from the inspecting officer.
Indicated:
**12:00**
